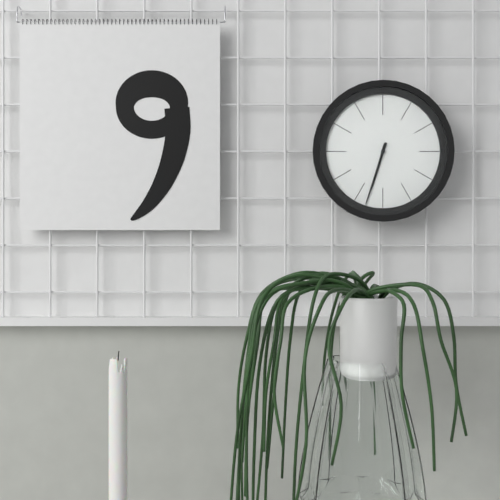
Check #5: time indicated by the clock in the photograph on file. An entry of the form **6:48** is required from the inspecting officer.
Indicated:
**6:33**
